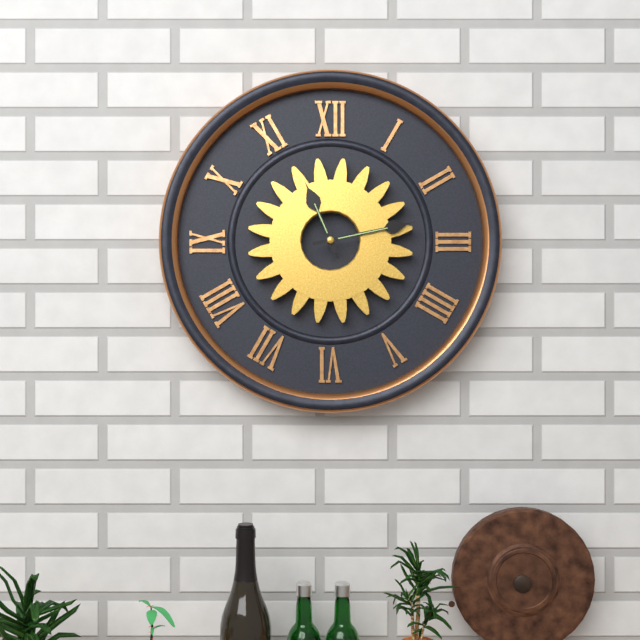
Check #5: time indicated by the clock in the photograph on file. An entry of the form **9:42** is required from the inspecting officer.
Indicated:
**11:13**
